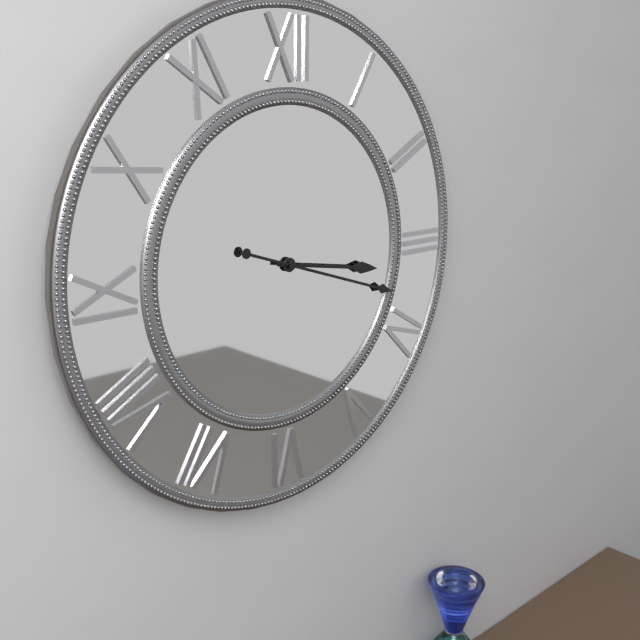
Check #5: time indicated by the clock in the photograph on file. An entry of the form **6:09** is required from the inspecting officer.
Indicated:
**3:18**
